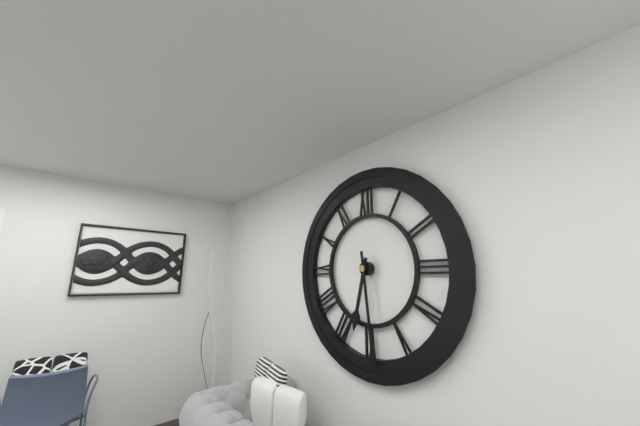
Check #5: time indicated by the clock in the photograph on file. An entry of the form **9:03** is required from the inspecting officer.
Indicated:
**6:29**
